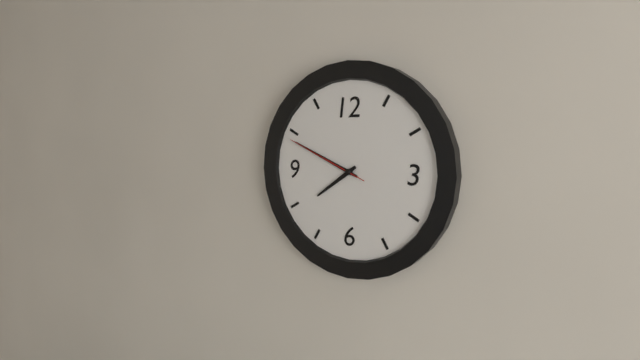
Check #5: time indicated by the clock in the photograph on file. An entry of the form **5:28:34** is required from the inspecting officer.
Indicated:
**7:49:49**
